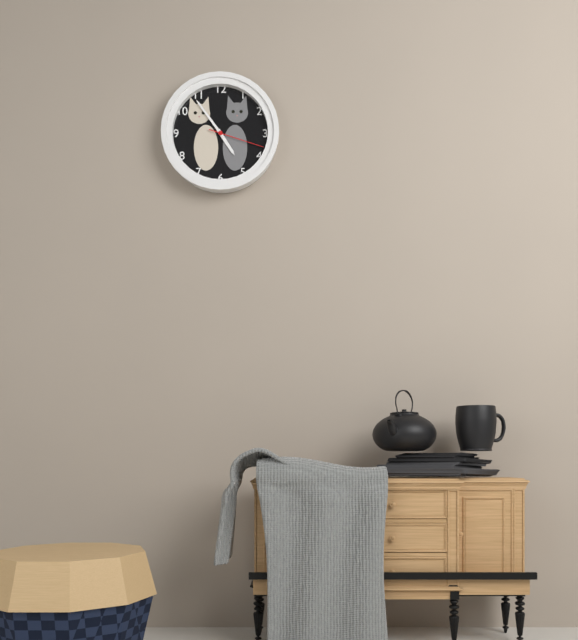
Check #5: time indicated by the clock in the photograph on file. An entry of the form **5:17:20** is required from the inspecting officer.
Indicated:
**4:54:18**
